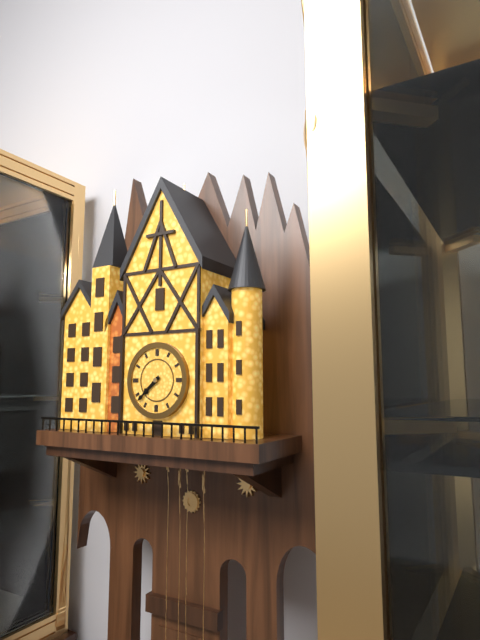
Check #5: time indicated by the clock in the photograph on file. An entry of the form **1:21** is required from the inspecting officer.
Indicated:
**7:38**
